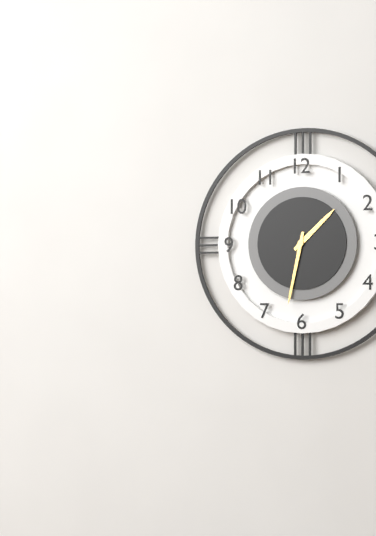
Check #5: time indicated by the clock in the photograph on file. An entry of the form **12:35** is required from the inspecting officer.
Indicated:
**1:32**
